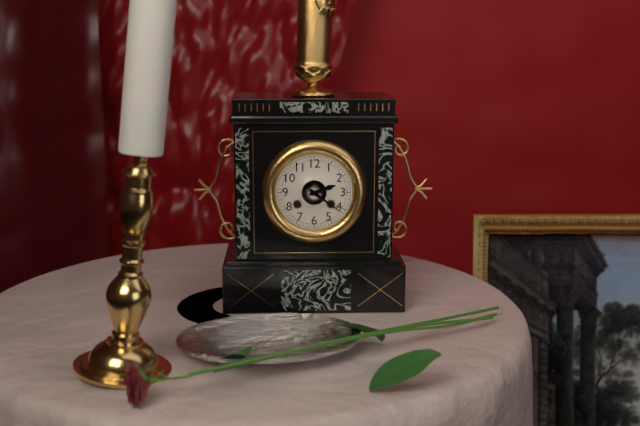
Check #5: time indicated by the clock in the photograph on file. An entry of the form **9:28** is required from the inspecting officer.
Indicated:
**2:21**
